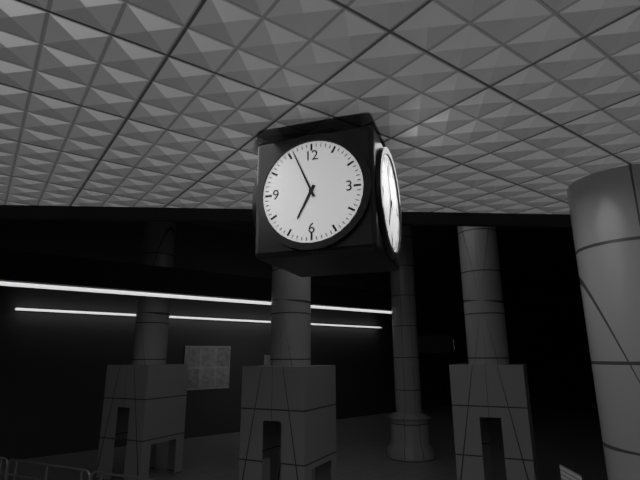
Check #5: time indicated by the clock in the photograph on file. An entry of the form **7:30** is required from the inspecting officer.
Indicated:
**6:56**
